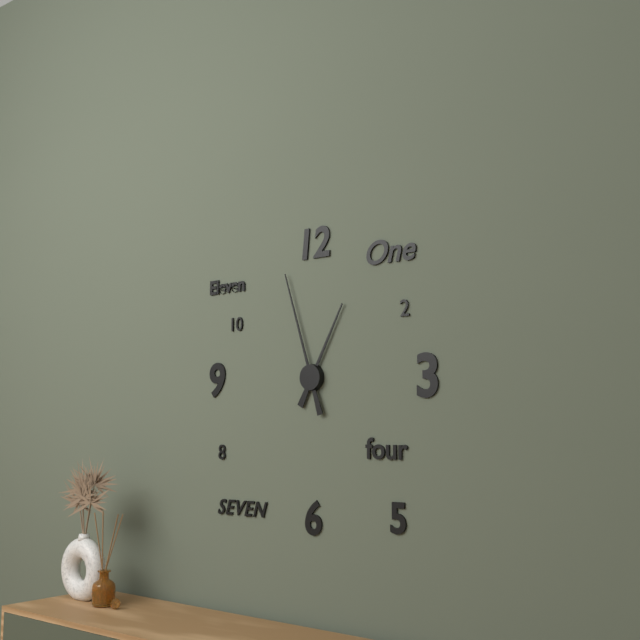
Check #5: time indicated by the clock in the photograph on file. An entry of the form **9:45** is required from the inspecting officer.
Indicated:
**12:57**
